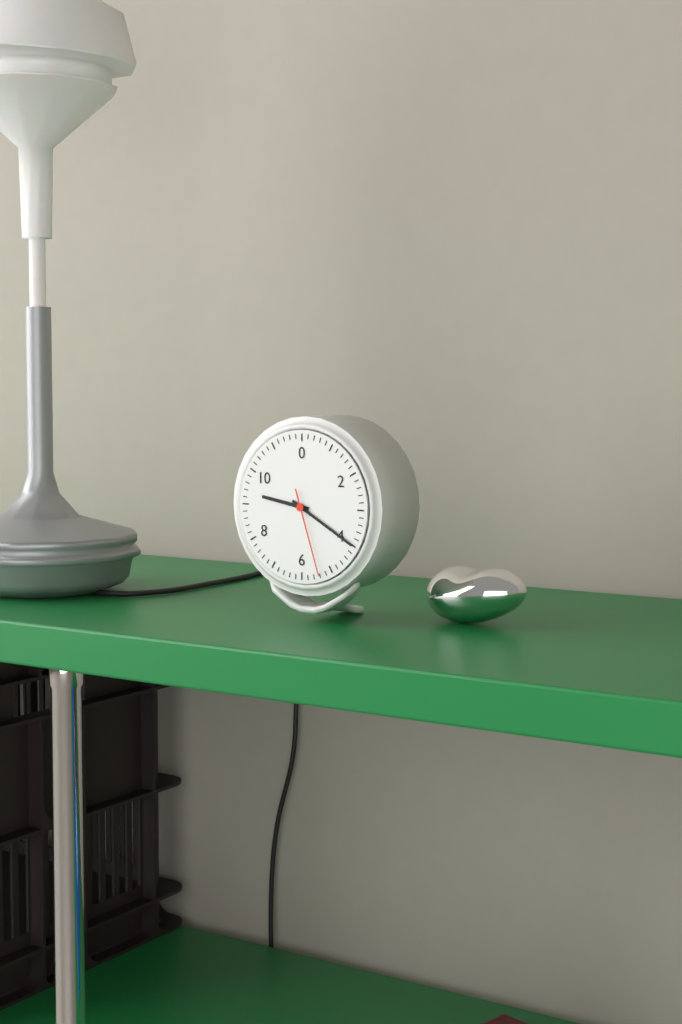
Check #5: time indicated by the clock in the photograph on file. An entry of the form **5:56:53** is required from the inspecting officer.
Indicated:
**9:20:27**
